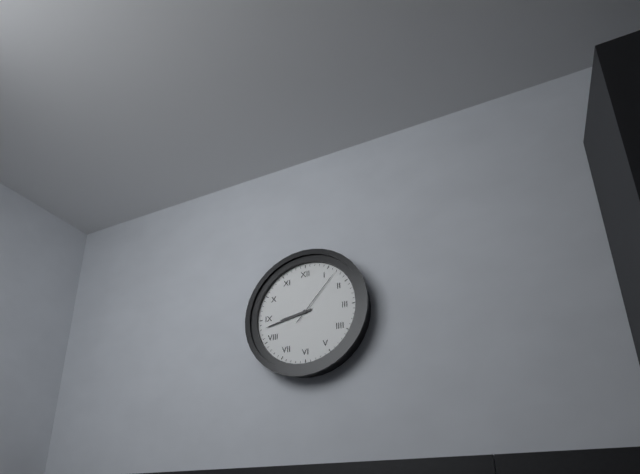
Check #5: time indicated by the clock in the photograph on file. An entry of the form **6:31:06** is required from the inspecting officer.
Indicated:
**8:43:07**
